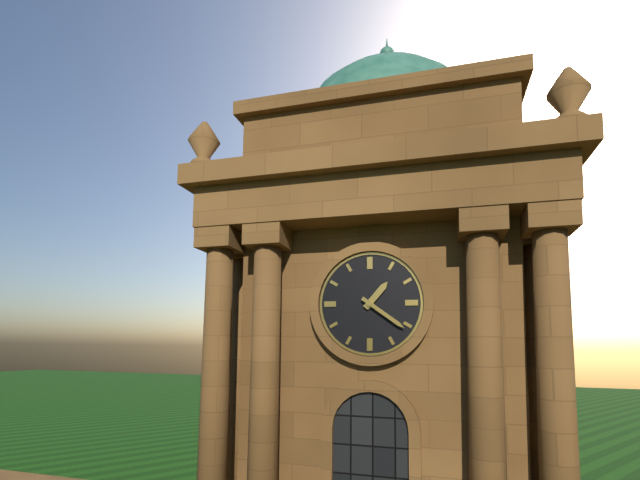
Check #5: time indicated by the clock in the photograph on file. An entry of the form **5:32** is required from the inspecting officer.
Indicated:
**1:21**
